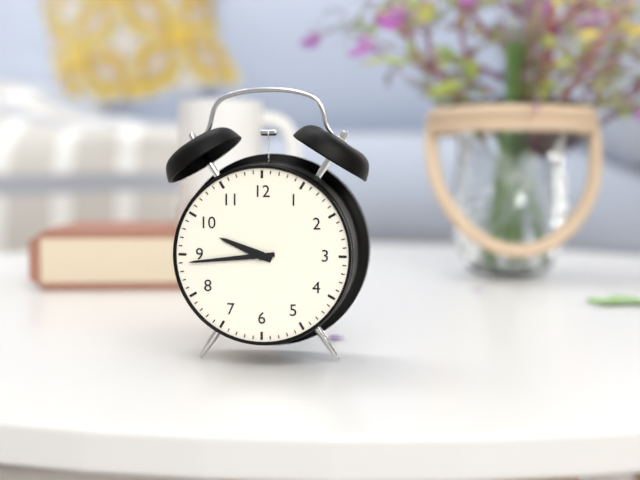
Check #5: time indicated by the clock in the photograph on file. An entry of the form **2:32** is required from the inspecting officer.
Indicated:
**9:44**
